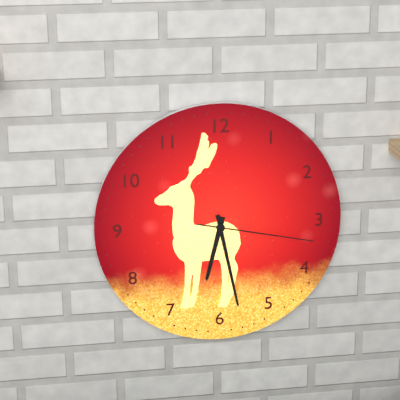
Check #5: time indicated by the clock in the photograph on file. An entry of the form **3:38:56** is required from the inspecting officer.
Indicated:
**6:28:17**
